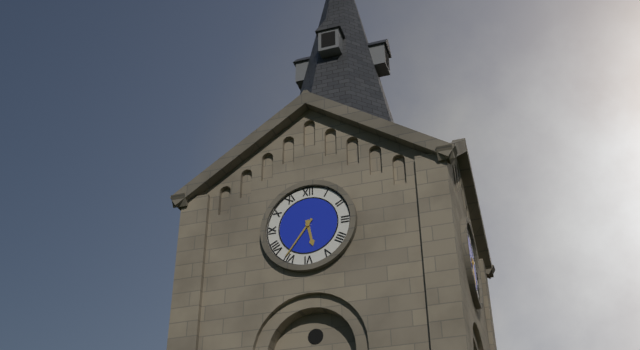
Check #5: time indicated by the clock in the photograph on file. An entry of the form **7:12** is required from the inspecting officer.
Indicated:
**5:36**
